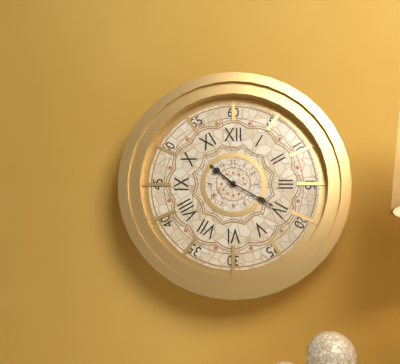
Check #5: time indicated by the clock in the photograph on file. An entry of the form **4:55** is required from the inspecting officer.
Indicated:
**10:20**
